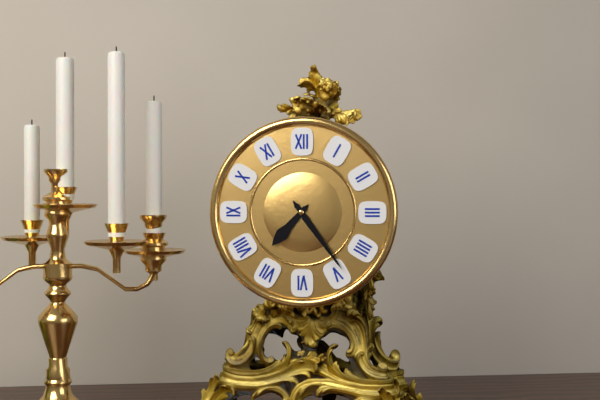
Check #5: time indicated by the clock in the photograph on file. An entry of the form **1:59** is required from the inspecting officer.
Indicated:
**7:24**
